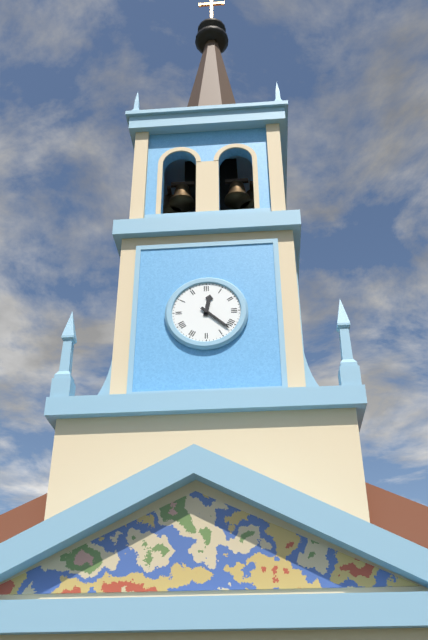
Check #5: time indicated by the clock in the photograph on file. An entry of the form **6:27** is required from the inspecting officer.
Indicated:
**12:22**
